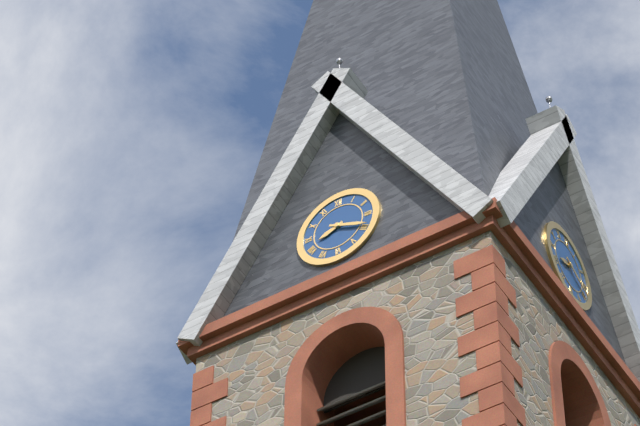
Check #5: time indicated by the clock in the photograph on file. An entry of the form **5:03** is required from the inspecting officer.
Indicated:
**8:19**
